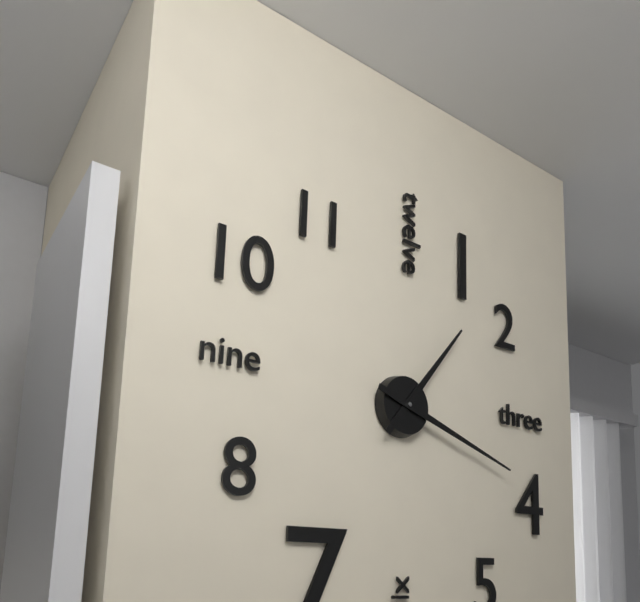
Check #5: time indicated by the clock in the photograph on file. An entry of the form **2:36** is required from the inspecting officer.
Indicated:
**1:18**
